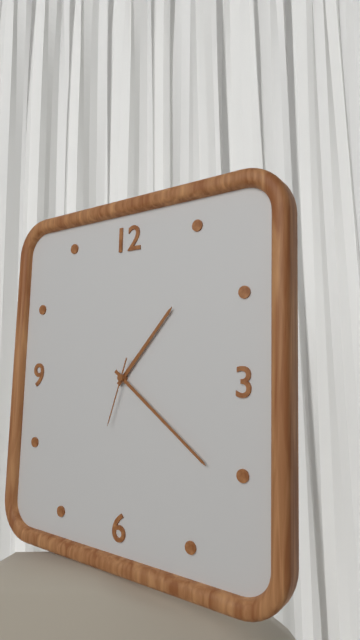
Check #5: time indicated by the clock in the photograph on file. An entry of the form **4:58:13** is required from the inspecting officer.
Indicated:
**1:21:33**
